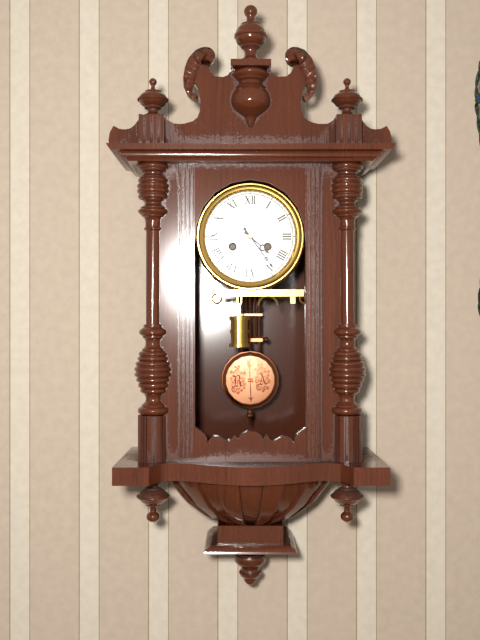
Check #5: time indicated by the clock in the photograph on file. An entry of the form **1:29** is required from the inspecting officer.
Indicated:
**4:24**
